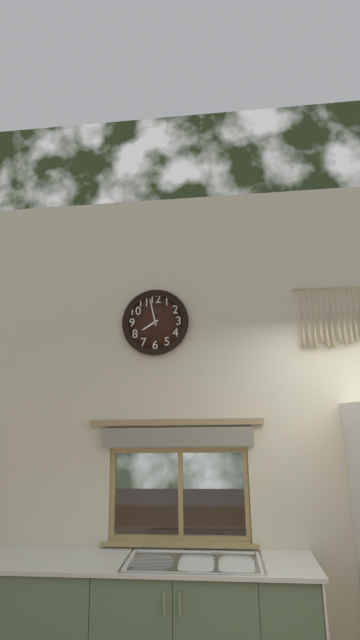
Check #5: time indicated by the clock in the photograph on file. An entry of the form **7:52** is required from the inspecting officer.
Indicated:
**7:58**
